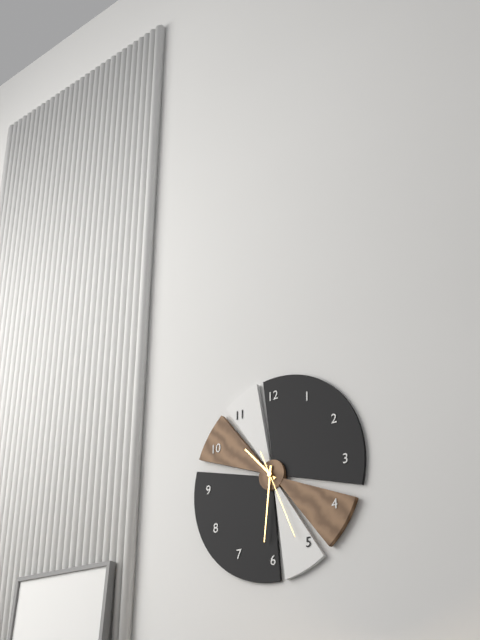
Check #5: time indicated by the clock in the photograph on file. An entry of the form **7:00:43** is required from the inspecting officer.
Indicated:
**10:31:26**
